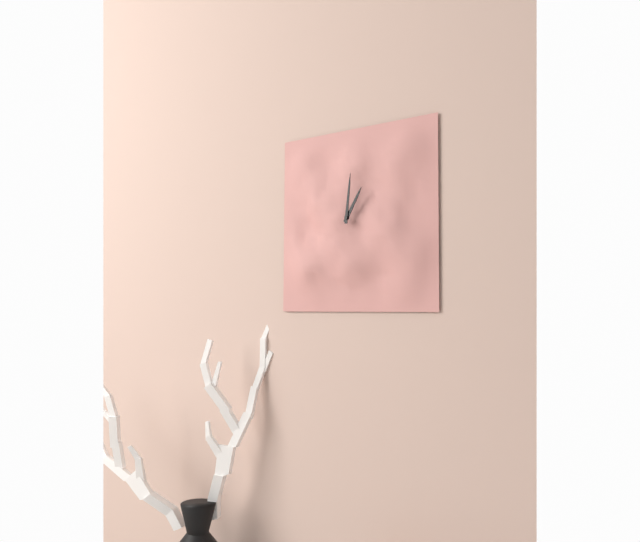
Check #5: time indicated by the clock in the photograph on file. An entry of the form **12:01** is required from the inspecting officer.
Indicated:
**1:01**
